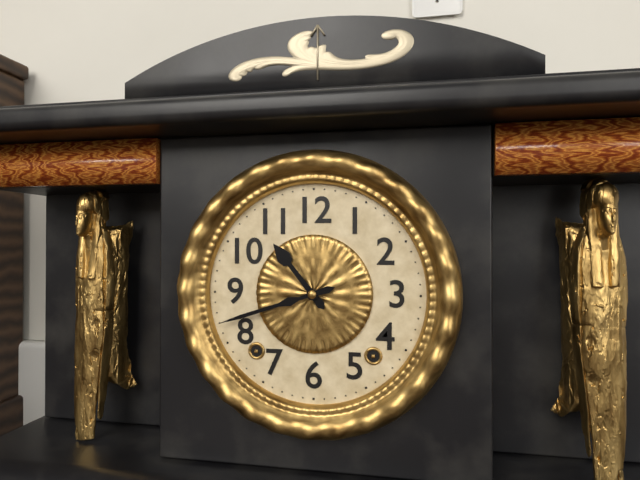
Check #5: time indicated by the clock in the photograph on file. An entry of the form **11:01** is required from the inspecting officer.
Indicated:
**10:42**
